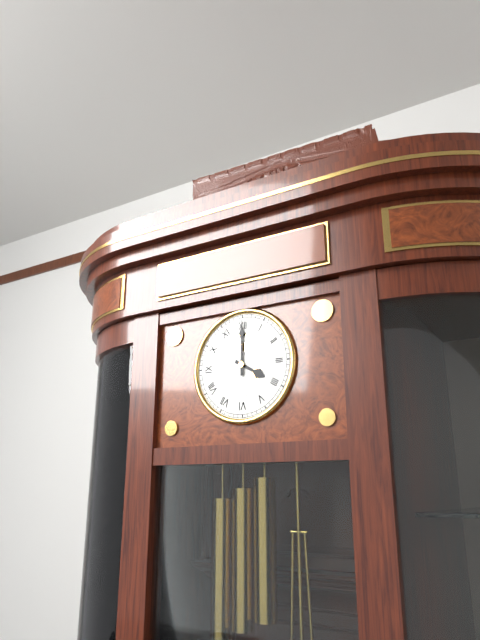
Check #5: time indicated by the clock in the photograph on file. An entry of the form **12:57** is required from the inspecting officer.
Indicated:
**4:00**
